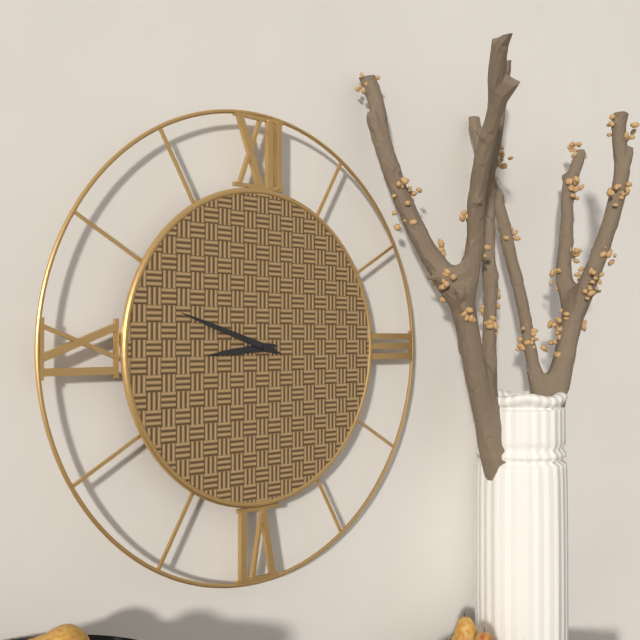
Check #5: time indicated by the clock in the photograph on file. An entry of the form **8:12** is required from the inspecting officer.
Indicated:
**8:48**
